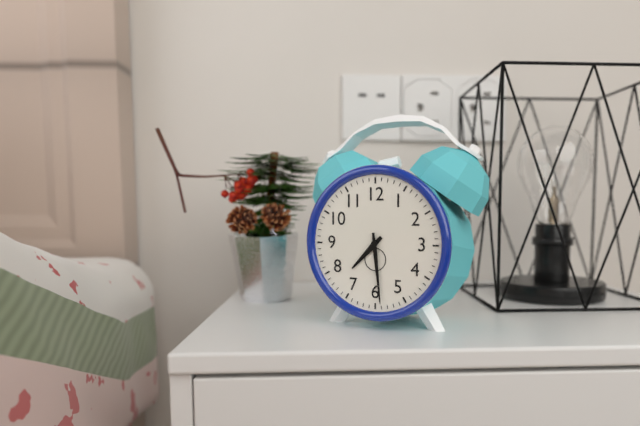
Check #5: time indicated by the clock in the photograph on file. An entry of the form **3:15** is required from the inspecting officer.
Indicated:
**7:29**
